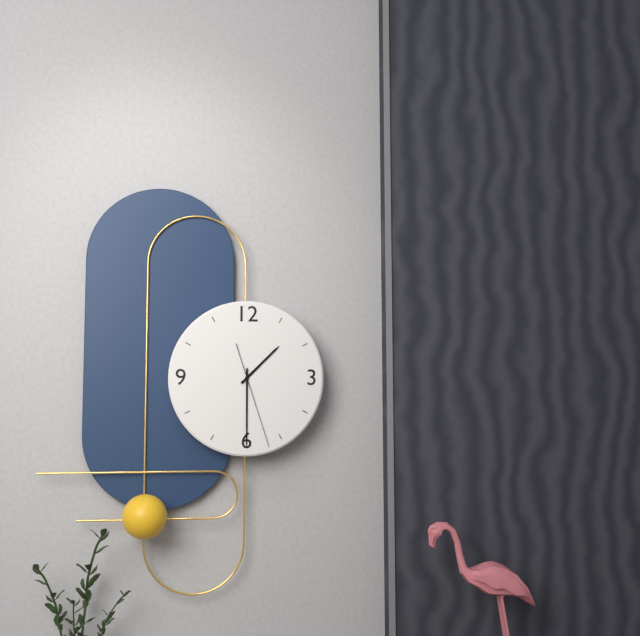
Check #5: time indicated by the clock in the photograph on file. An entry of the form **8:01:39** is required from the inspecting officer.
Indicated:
**1:30:27**
